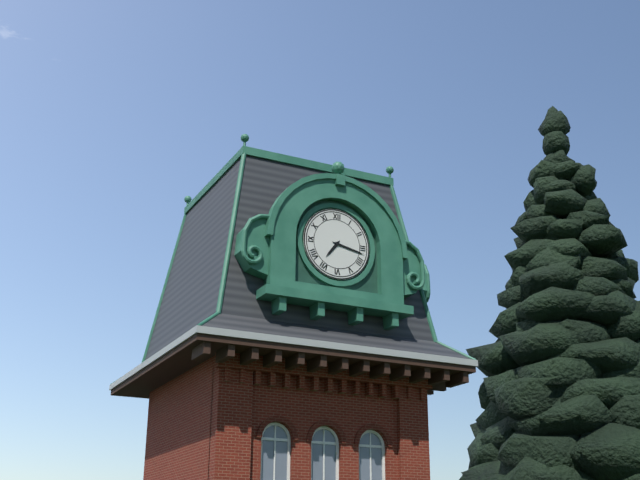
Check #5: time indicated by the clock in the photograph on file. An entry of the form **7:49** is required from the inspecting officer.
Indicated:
**7:17**
